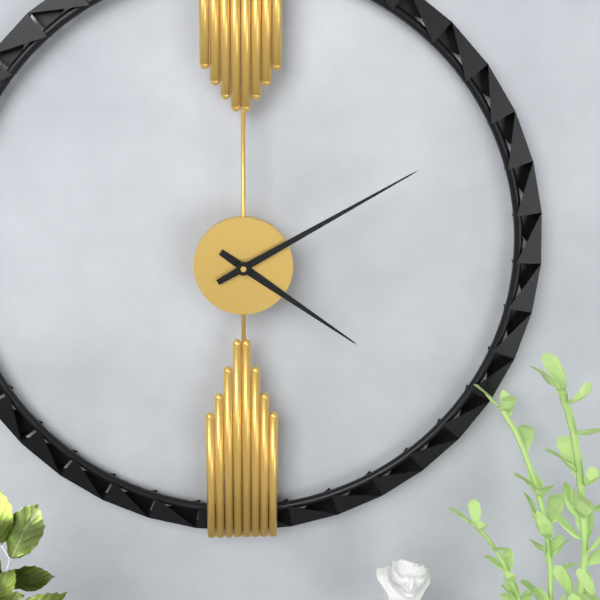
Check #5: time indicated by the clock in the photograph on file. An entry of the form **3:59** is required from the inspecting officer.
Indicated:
**4:10**
